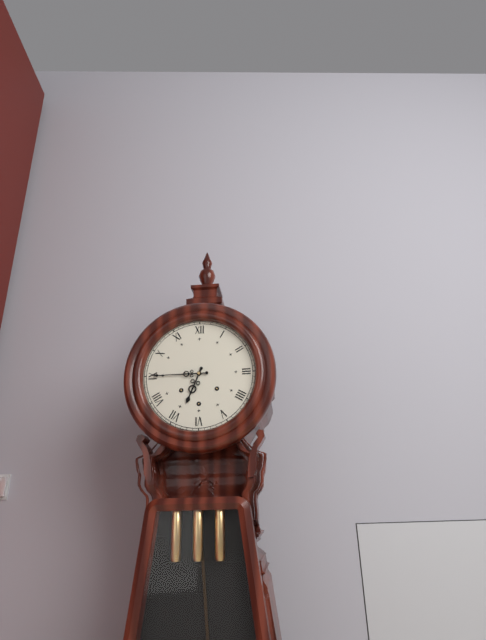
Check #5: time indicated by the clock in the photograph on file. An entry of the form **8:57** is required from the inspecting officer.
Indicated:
**6:45**
